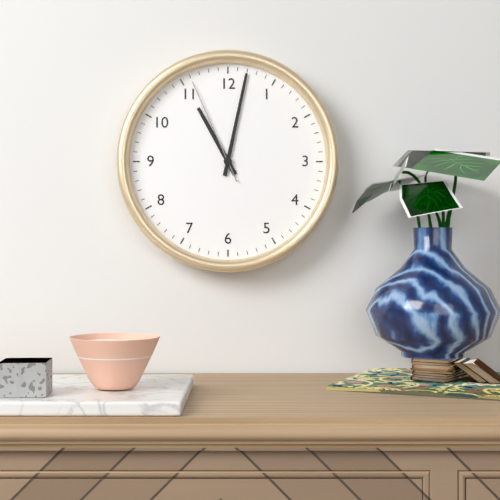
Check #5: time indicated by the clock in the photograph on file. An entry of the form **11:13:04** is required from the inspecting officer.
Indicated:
**11:02:56**
